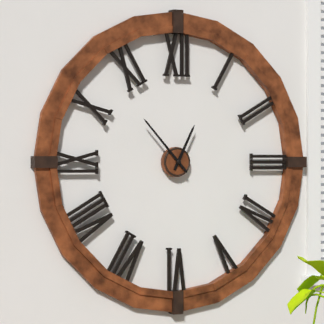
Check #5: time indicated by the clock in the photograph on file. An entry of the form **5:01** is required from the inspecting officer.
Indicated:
**12:53**
